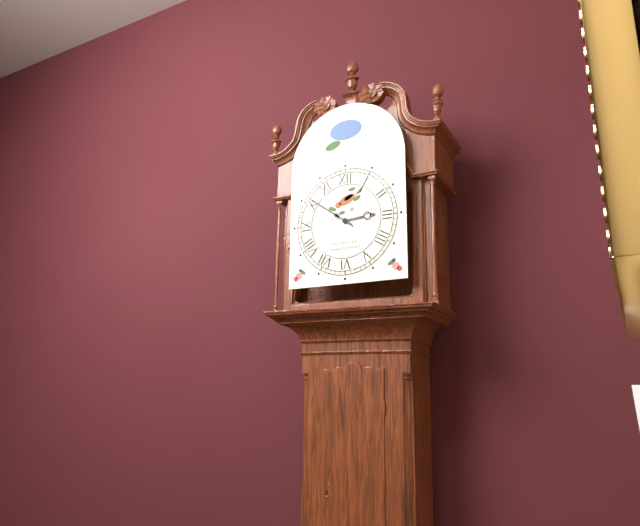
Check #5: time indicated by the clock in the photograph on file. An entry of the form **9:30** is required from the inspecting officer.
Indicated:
**2:51**
